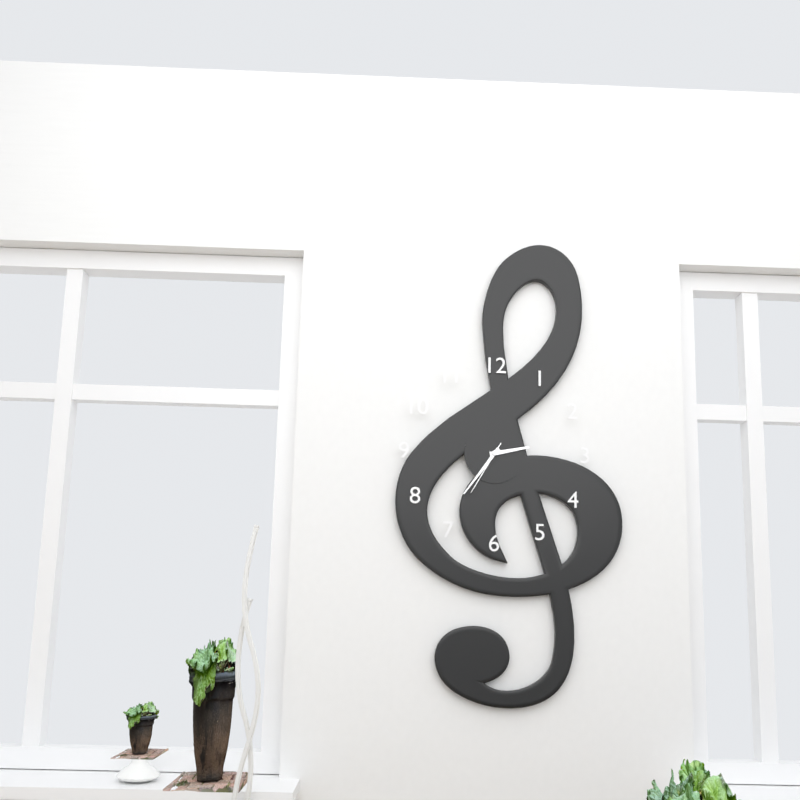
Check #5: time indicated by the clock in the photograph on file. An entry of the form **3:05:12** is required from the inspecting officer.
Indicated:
**2:36:35**
